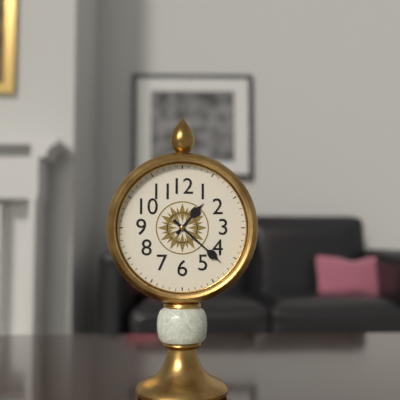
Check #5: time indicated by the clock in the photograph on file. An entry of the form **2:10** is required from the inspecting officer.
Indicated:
**1:22**
